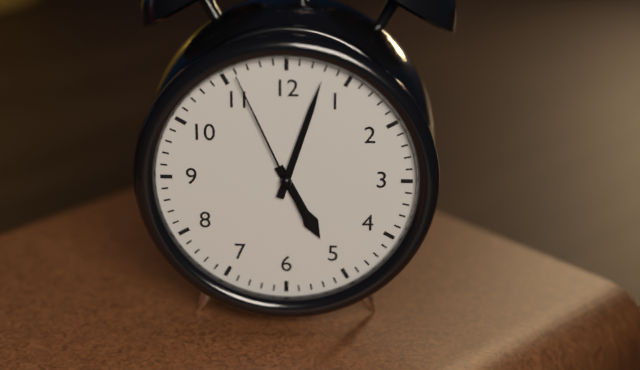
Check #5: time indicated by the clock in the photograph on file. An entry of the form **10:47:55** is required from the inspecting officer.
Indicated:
**5:03:56**
